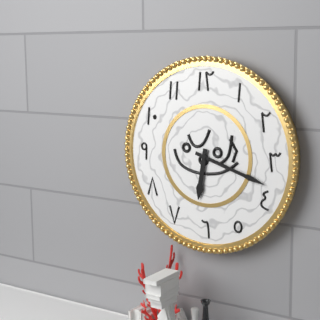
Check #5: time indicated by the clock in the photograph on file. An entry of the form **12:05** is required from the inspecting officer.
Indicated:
**6:18**
